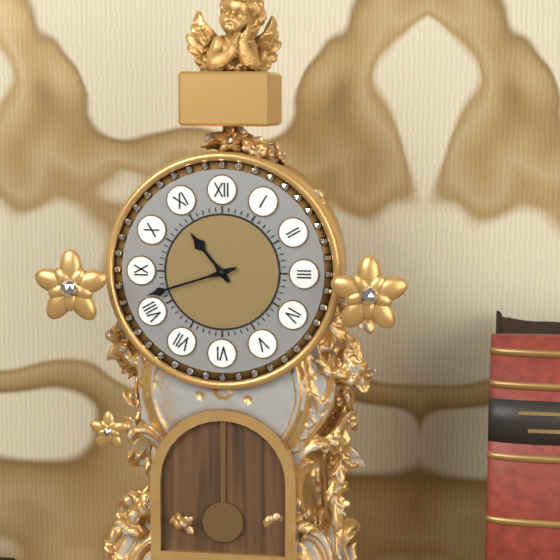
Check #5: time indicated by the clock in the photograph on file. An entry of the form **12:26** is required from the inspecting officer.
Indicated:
**10:42**
